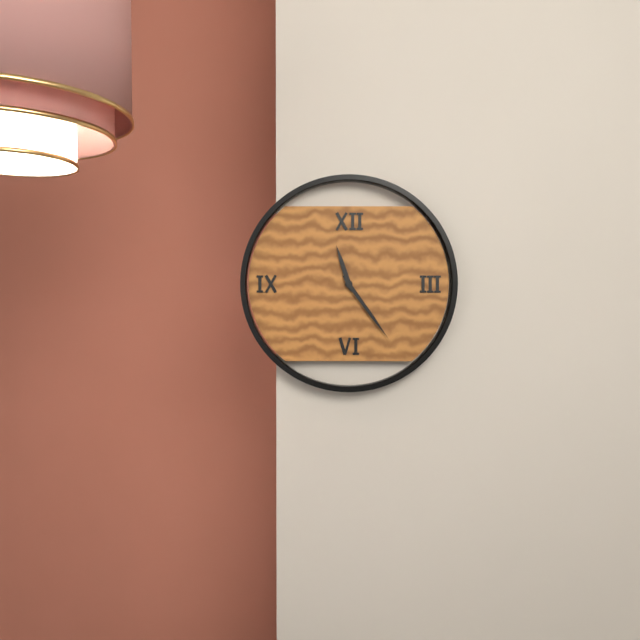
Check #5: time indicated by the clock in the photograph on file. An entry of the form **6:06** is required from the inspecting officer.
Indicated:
**11:24**
